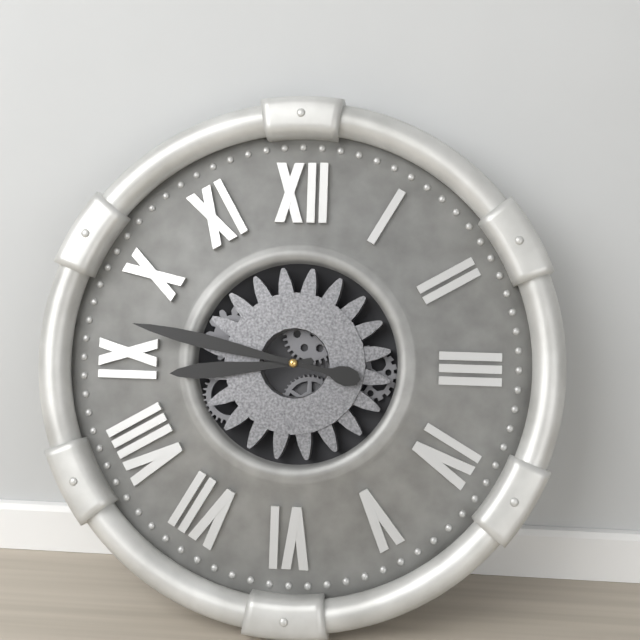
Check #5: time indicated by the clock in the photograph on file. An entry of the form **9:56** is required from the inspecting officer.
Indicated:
**8:47**
